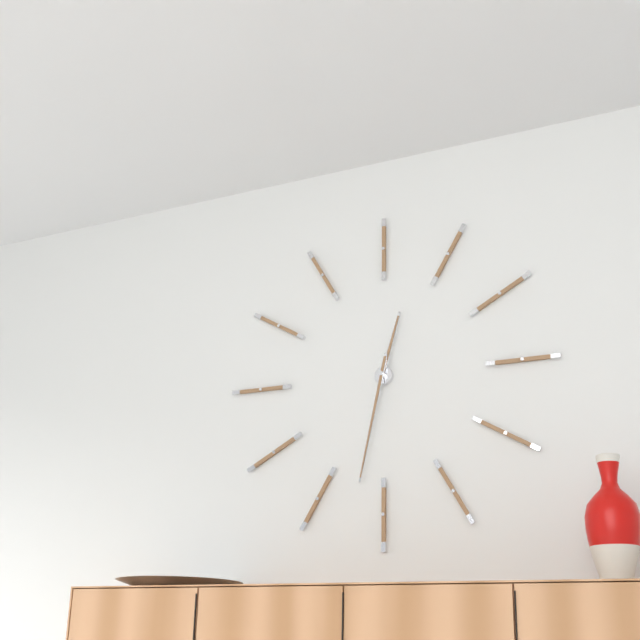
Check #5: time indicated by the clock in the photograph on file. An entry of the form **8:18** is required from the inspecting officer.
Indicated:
**12:32**
